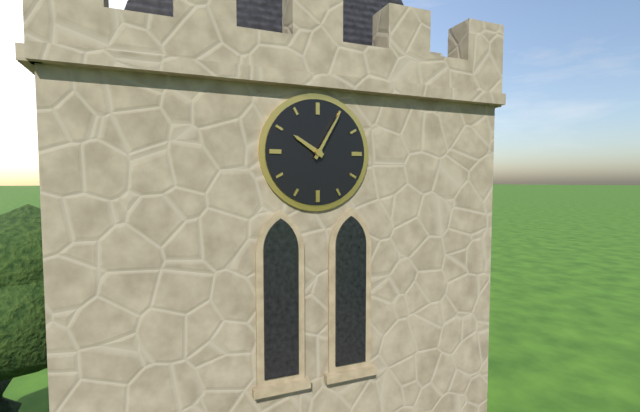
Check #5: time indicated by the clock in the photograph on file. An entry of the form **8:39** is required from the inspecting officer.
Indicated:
**10:05**
